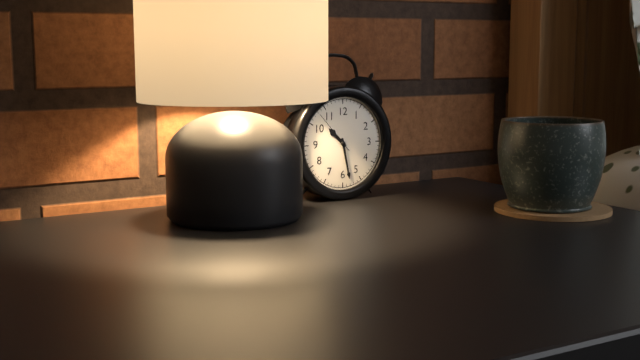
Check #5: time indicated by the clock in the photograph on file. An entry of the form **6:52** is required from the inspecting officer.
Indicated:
**10:28**
